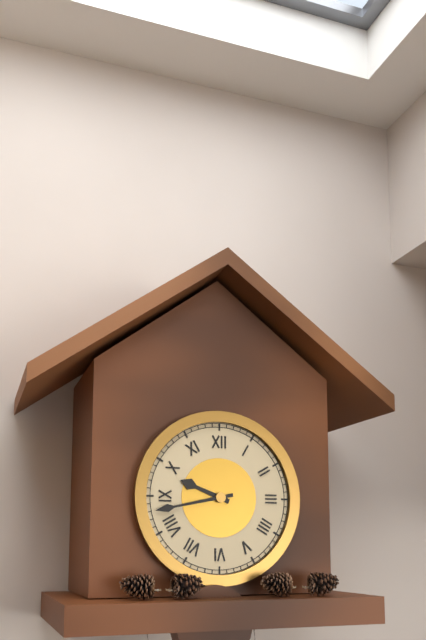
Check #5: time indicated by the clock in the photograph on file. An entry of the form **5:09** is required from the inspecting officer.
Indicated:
**9:43**
